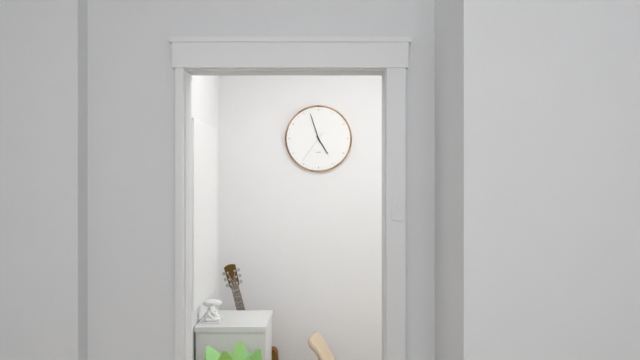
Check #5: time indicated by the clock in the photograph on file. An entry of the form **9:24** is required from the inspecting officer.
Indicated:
**4:57**
